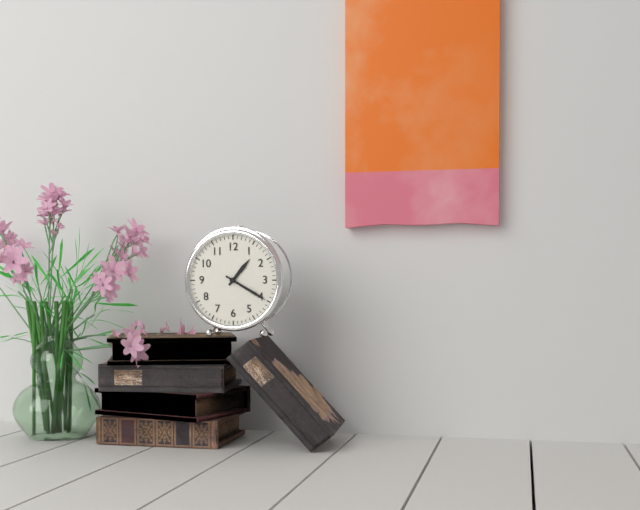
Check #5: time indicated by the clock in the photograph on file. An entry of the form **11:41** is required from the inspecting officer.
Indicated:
**1:20**
